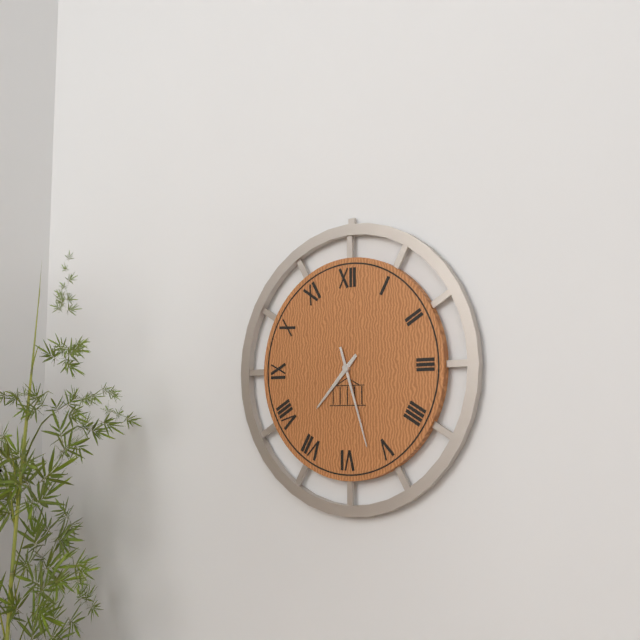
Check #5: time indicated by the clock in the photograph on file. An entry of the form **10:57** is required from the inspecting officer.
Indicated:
**7:27**
